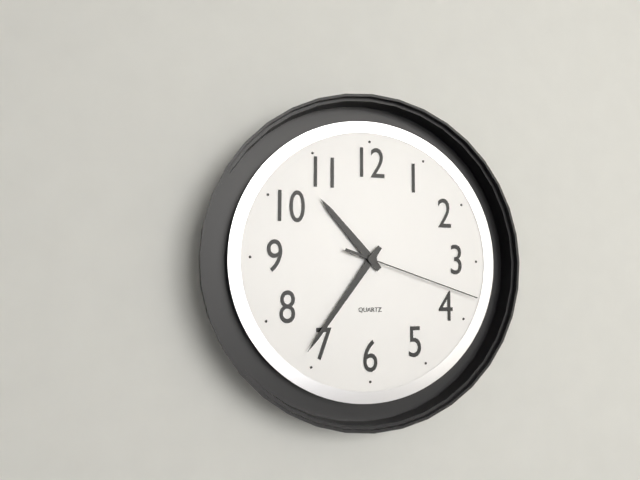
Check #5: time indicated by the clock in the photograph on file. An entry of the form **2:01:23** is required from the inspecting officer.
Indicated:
**10:36:18**
